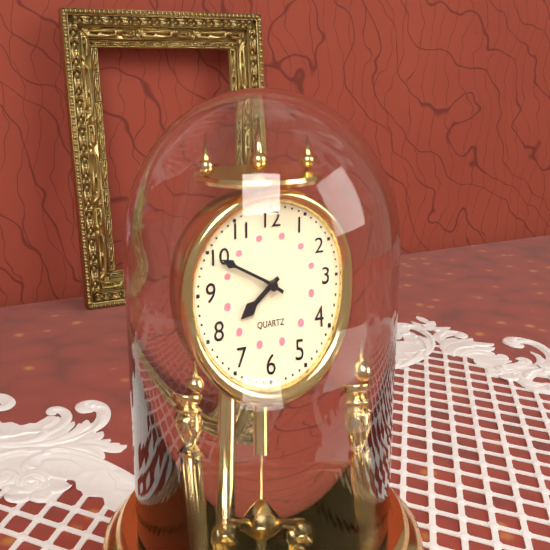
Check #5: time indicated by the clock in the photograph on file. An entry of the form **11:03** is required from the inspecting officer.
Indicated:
**7:50**
